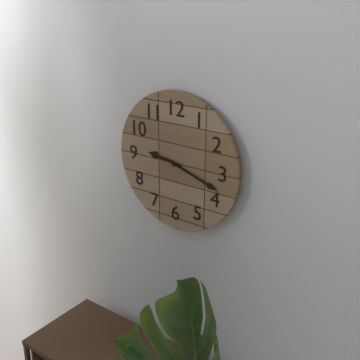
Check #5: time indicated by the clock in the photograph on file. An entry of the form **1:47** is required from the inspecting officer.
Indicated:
**9:18**
